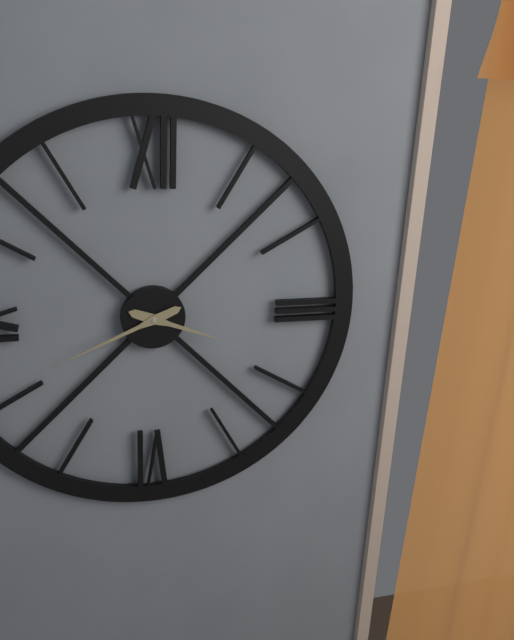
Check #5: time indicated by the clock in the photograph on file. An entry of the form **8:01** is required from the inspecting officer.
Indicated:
**3:41**
